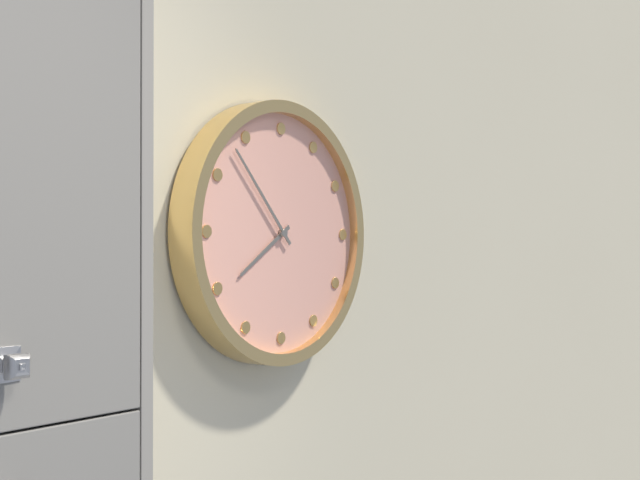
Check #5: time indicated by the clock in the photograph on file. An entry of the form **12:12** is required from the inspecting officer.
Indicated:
**7:53**
